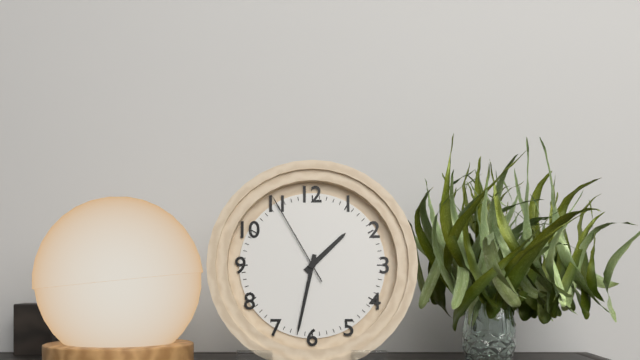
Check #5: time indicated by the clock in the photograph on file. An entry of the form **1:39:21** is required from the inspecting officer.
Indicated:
**1:32:55**
